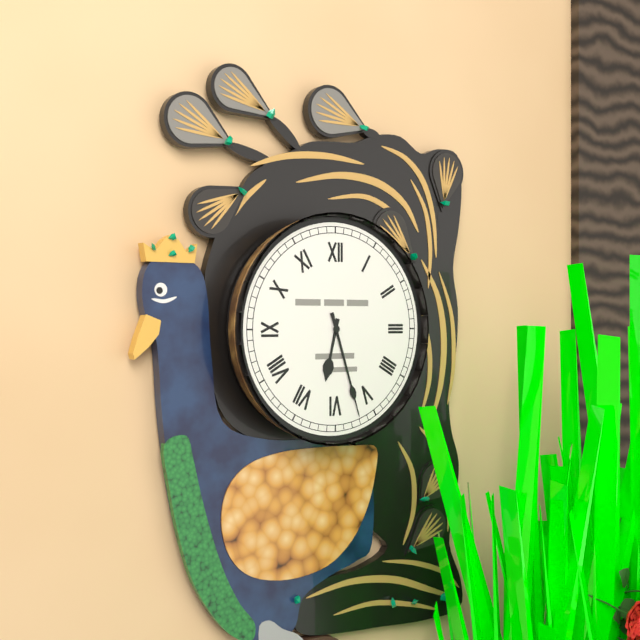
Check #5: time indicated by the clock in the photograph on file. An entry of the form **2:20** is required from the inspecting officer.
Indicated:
**6:27**
